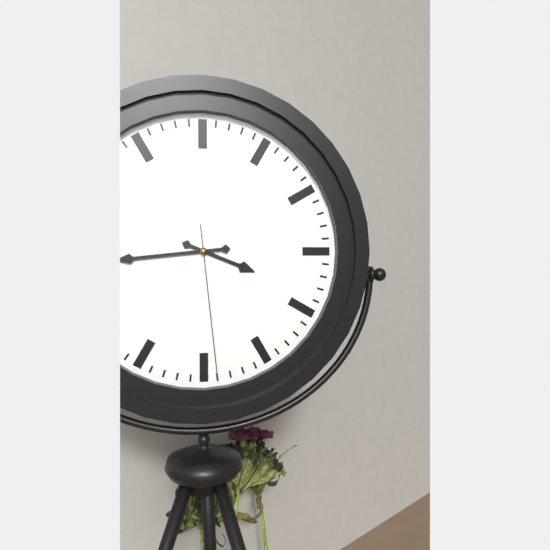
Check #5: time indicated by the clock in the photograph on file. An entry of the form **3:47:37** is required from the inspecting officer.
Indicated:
**3:44:29**
